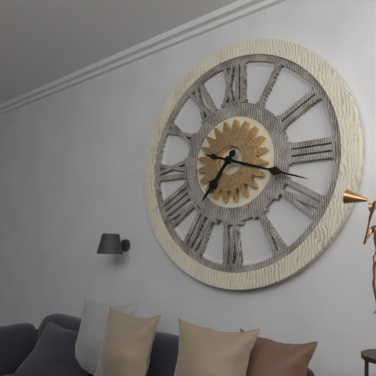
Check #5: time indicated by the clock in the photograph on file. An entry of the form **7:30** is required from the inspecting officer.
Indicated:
**7:18**
